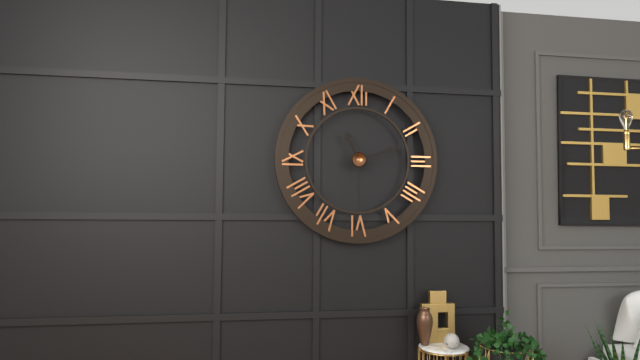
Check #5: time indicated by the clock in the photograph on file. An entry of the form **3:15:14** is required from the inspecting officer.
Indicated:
**11:12:30**
